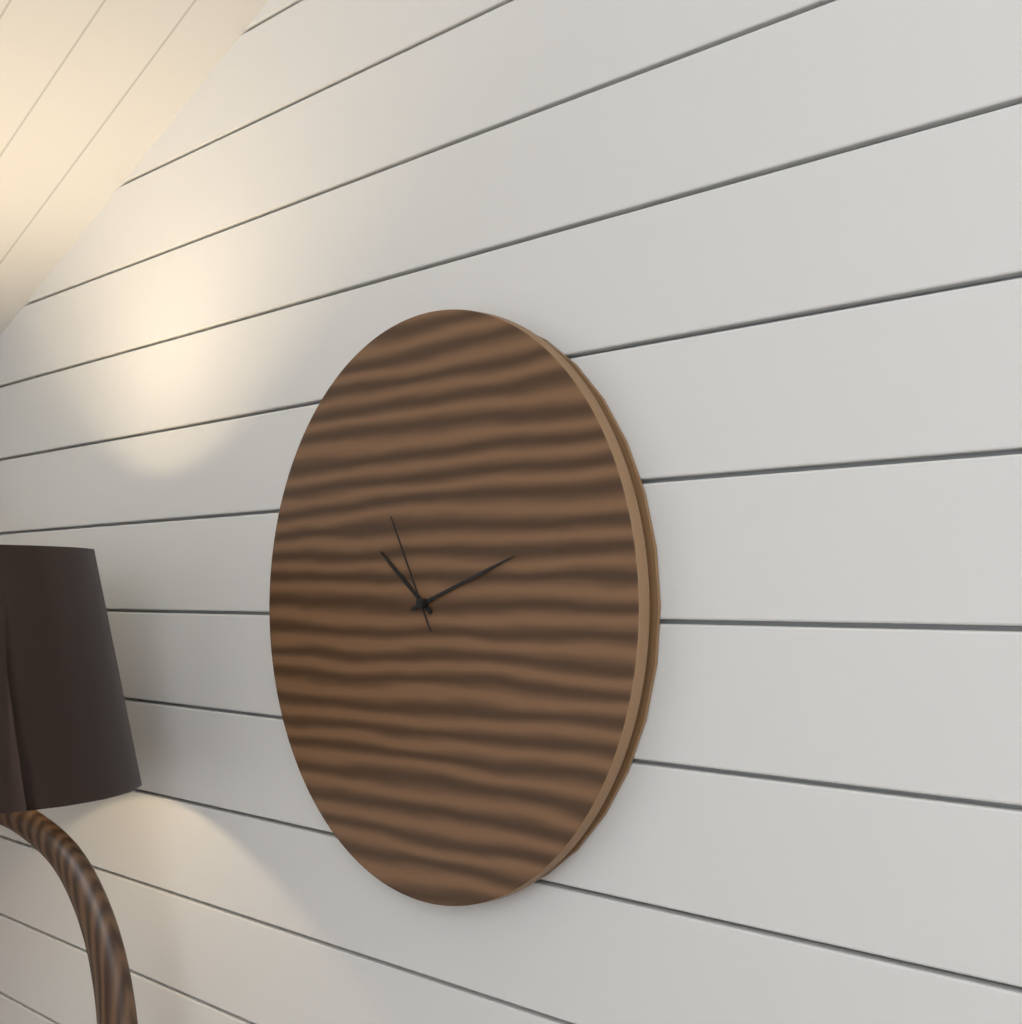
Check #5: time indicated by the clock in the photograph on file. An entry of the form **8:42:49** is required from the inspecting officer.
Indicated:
**10:12:55**
